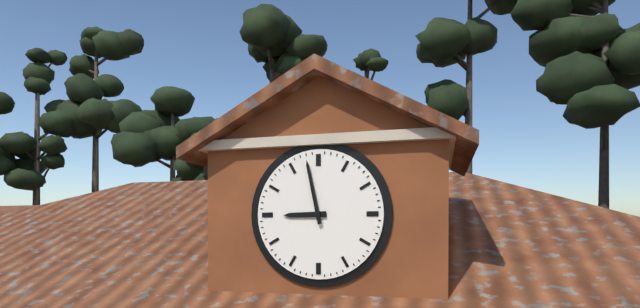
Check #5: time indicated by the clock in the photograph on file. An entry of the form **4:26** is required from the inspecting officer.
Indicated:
**8:58**
